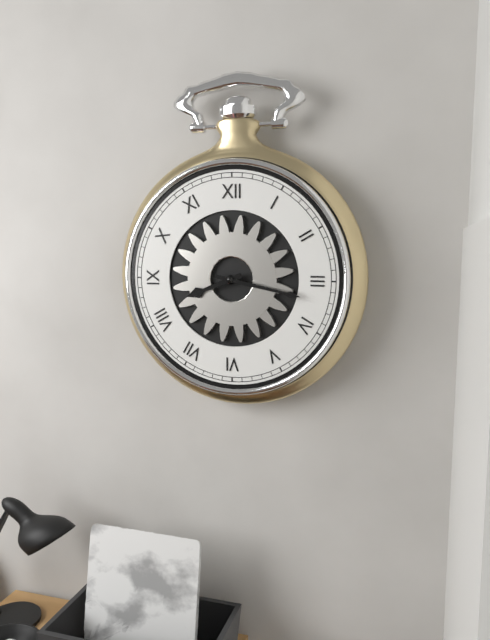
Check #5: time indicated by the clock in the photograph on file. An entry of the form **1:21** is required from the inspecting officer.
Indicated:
**8:17**
